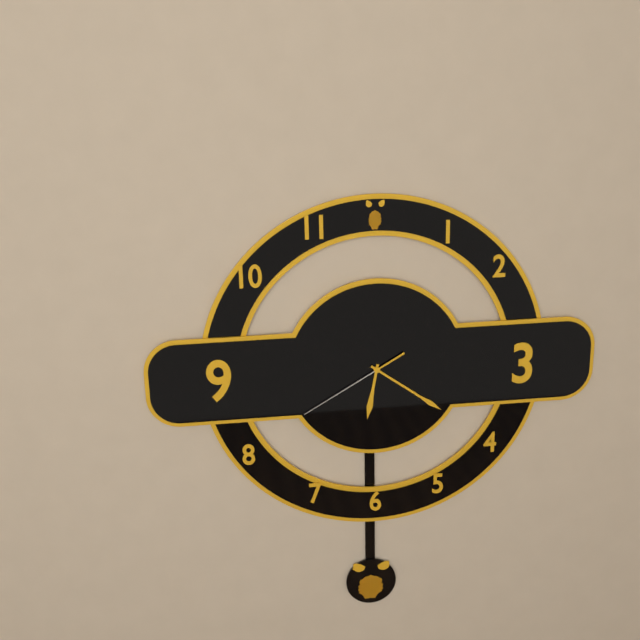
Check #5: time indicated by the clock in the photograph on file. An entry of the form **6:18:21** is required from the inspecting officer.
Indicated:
**6:21:40**
